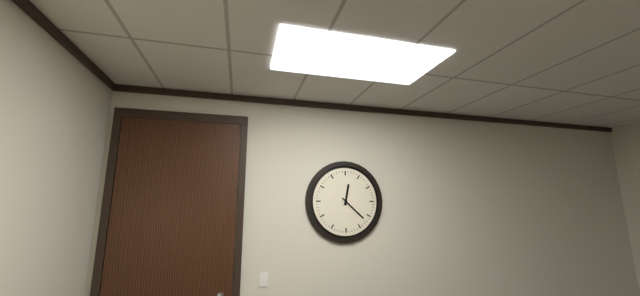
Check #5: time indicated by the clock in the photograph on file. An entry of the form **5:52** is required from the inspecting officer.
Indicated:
**12:22**
